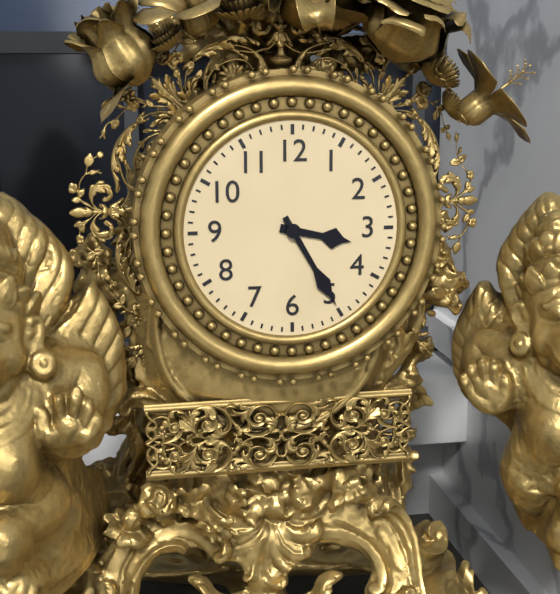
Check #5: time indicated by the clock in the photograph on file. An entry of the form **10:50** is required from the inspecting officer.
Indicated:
**3:25**
